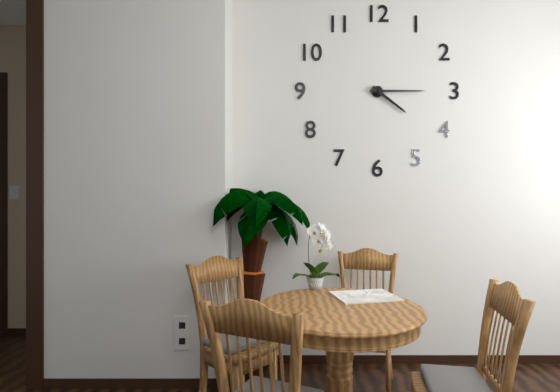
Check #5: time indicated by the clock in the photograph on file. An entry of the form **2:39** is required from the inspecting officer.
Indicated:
**4:15**
